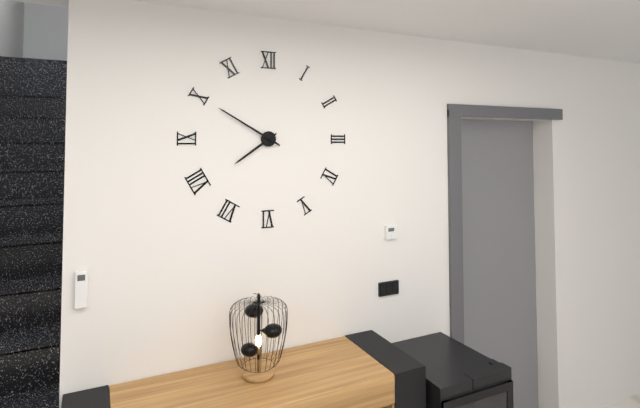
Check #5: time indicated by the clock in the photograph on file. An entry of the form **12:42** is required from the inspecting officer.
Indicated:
**7:50**
